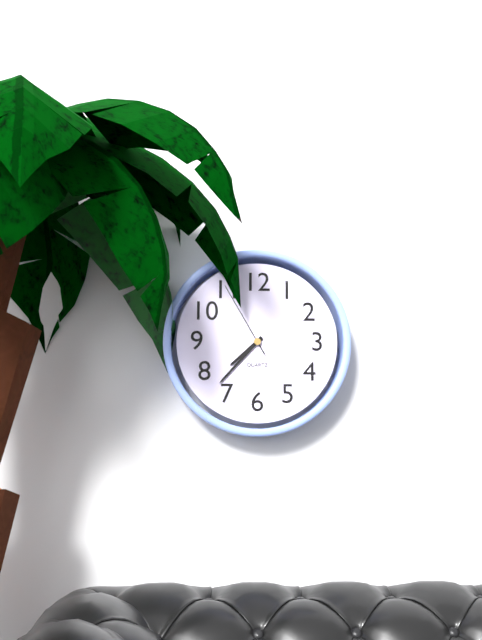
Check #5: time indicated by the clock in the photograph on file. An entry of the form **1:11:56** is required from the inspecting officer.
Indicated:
**7:37:55**
